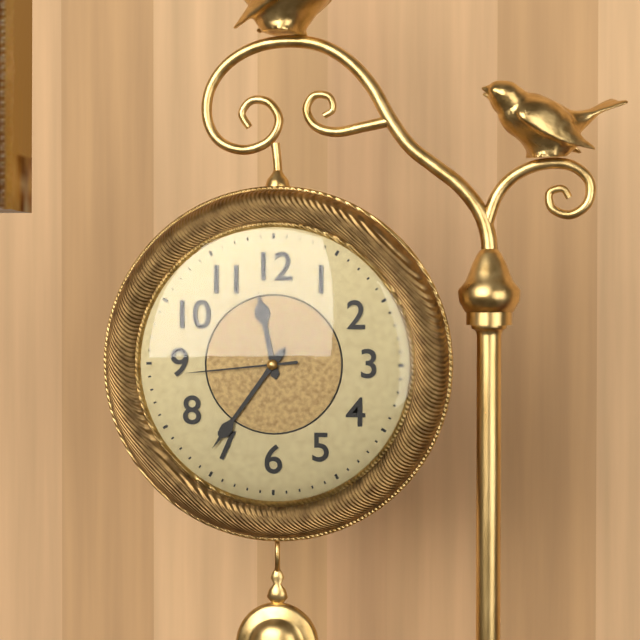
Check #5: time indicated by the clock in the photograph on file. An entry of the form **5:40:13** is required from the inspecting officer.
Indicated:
**11:36:44**
